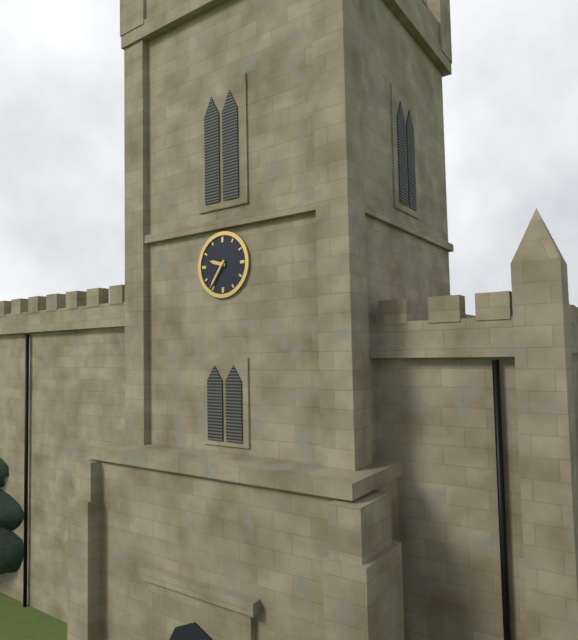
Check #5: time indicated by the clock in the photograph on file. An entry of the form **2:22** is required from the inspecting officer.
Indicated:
**9:36**
